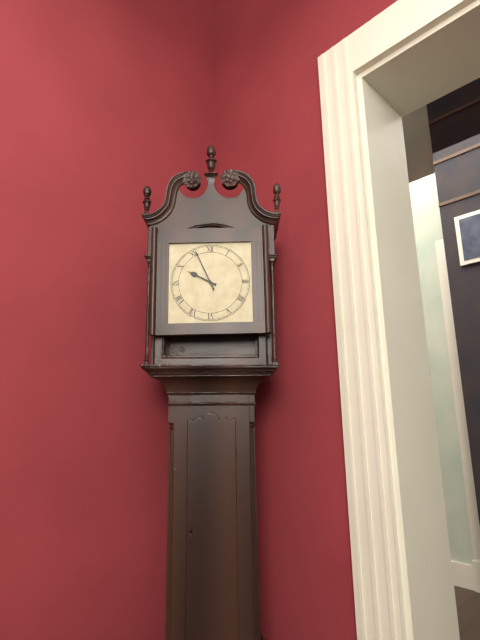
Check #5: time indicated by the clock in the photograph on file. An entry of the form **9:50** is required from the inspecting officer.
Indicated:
**9:56**
